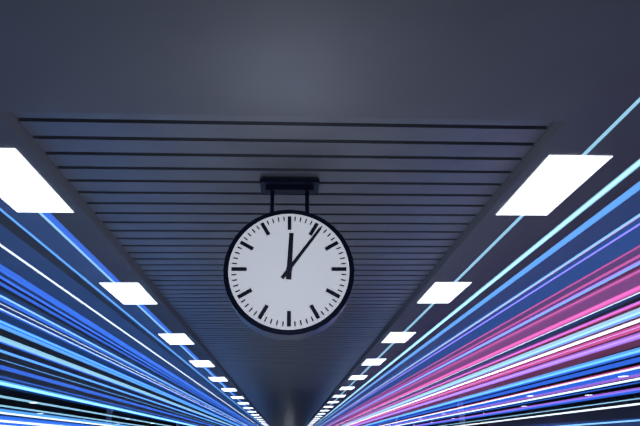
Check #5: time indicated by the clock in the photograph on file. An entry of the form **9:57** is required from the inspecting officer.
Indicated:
**12:06**
